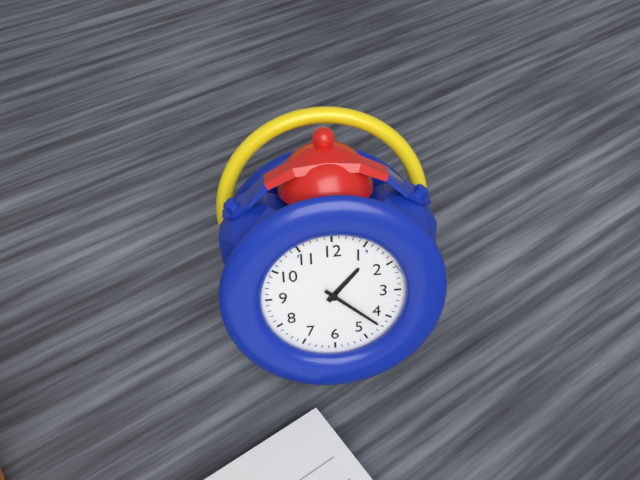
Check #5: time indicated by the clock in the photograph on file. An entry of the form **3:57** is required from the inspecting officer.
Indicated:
**1:22**
